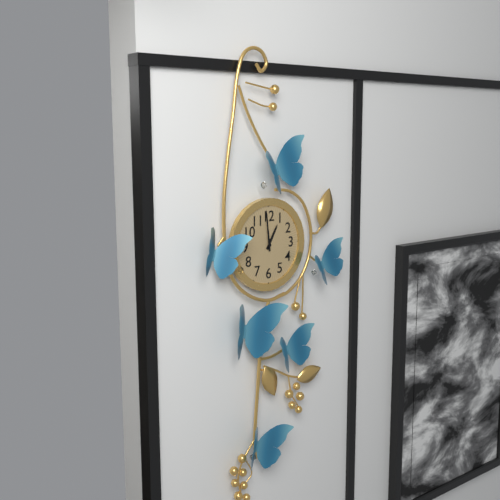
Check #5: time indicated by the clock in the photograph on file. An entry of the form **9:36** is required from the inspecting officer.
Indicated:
**12:59**
